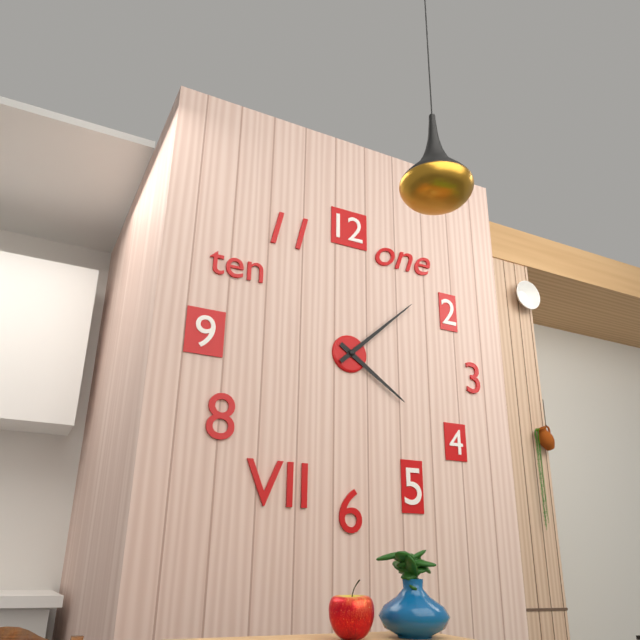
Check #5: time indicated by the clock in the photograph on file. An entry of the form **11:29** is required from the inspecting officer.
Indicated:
**4:08**
